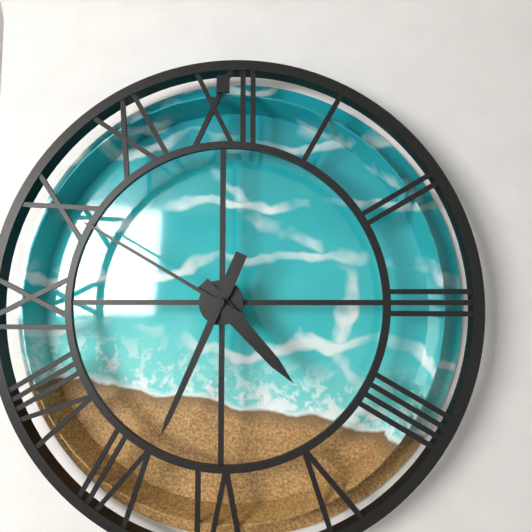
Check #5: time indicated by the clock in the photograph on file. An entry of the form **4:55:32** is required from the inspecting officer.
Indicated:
**4:34:50**
